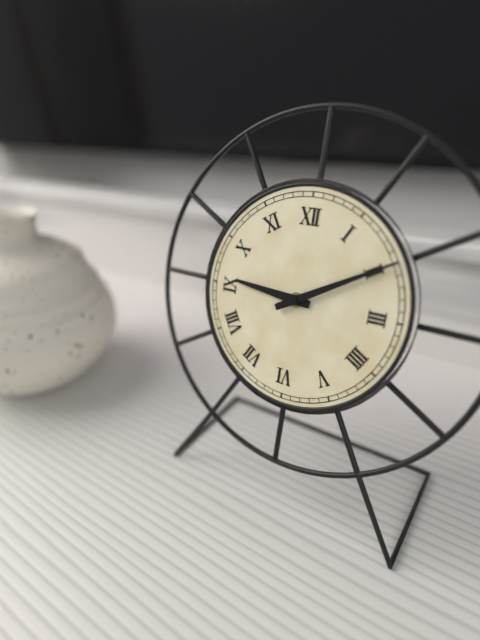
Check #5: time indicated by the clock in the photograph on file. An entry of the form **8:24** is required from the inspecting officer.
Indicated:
**9:10**
